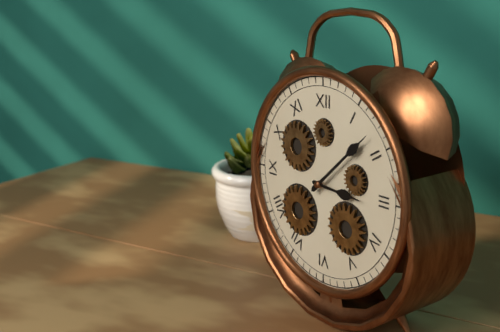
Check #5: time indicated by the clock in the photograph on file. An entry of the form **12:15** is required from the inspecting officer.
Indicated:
**3:08**
